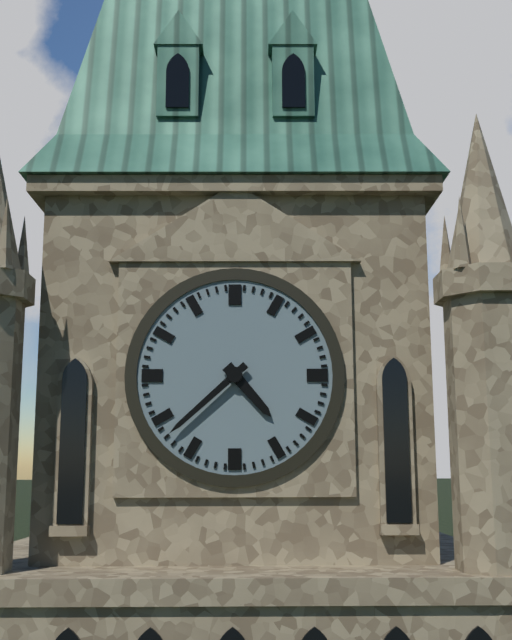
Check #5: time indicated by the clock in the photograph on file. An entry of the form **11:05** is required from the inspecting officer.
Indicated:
**4:38**
